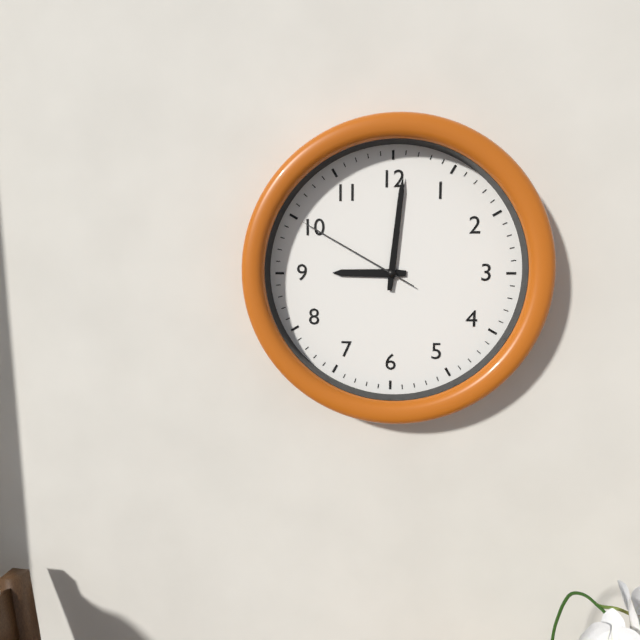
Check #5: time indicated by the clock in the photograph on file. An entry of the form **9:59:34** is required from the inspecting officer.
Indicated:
**9:01:50**
